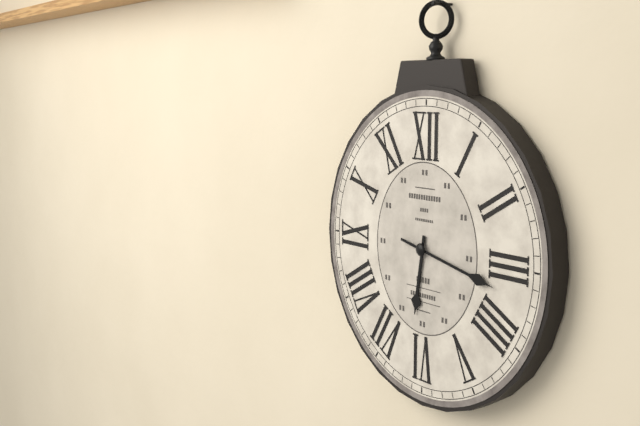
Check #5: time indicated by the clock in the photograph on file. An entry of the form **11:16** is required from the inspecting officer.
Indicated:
**6:17**
